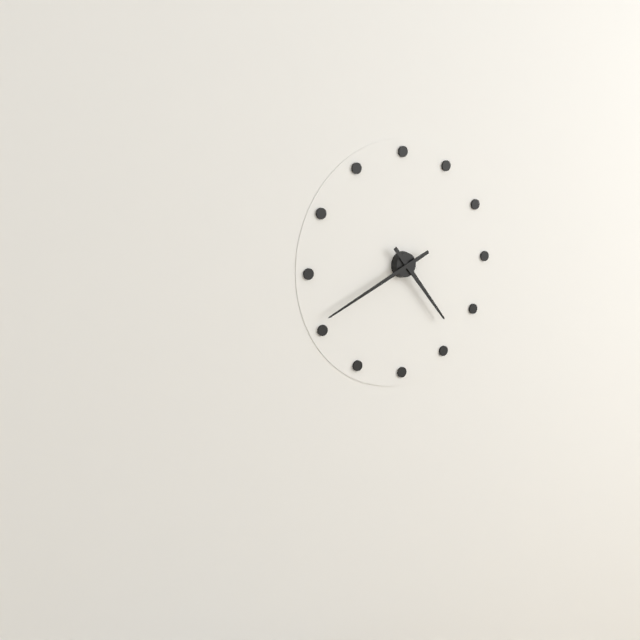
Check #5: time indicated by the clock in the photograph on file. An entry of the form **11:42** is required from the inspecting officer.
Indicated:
**4:41**
